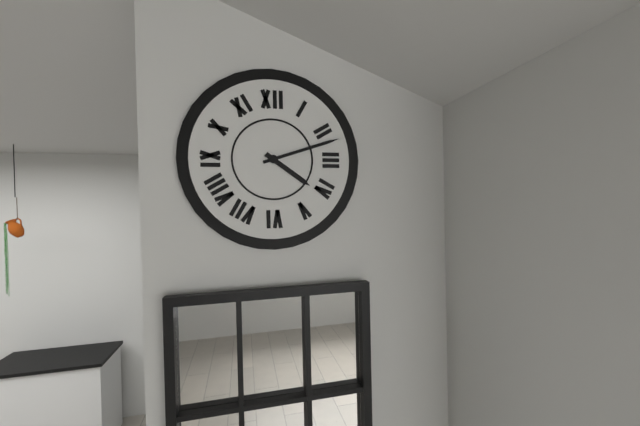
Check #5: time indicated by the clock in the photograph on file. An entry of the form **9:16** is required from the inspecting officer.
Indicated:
**4:12**
